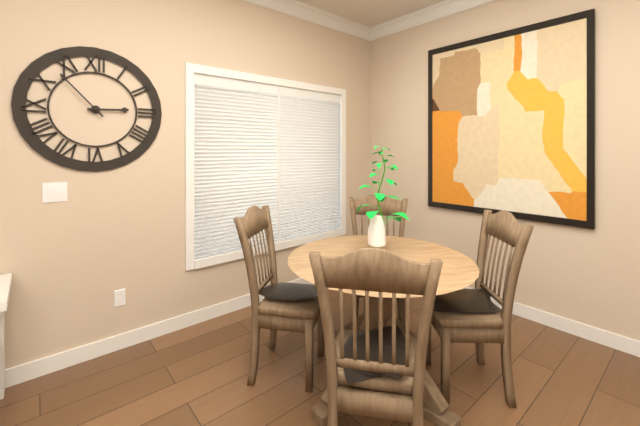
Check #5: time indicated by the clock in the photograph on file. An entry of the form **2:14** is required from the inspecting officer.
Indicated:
**2:53**
